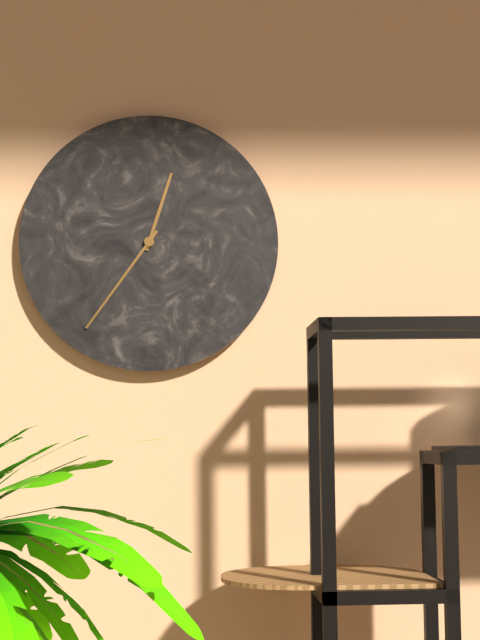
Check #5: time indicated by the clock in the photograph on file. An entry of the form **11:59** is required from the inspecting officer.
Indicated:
**12:36**
